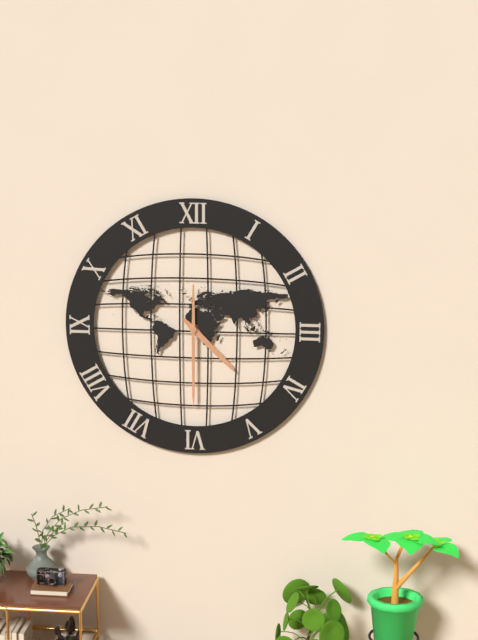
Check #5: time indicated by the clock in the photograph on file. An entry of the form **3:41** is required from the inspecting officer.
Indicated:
**4:30**
